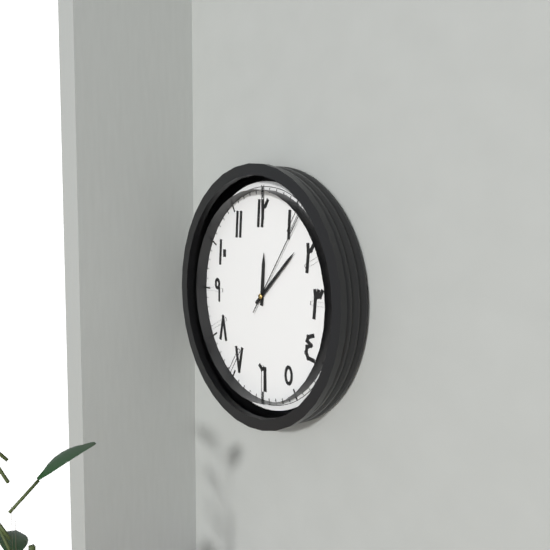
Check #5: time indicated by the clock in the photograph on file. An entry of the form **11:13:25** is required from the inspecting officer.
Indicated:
**12:08:06**
